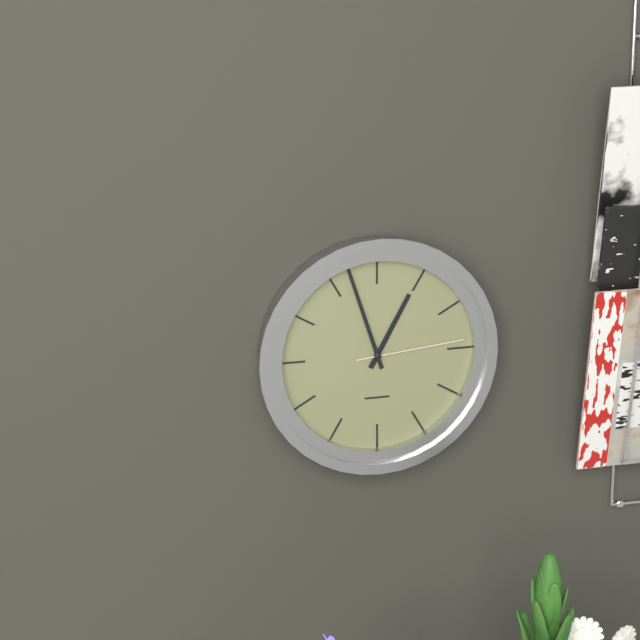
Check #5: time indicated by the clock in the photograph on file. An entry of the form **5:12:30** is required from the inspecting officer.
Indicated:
**12:57:14**
